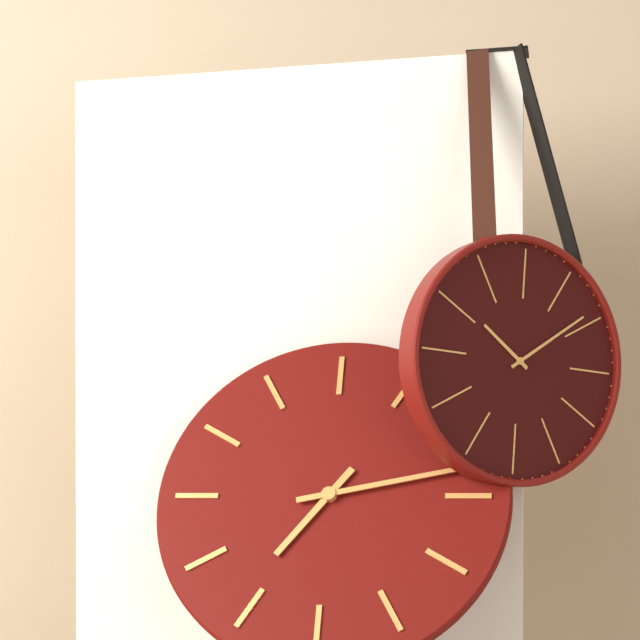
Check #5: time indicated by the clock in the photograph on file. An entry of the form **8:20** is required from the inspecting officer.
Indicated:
**7:13**
